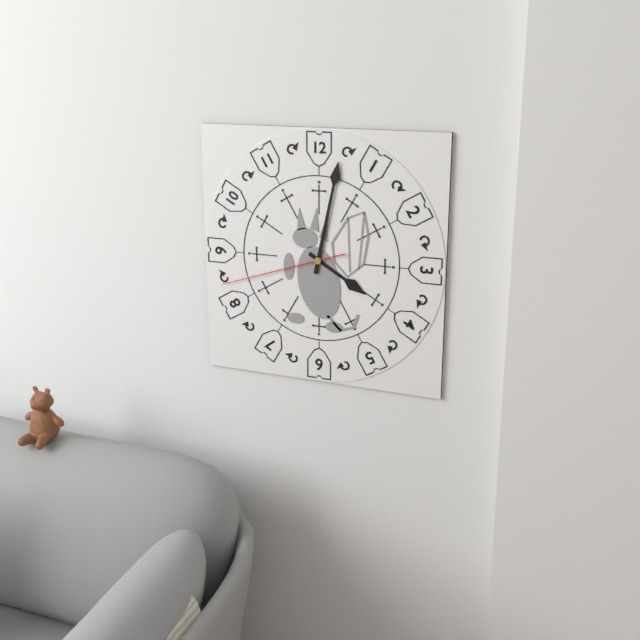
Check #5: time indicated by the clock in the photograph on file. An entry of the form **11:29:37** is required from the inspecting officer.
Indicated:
**4:02:42**
